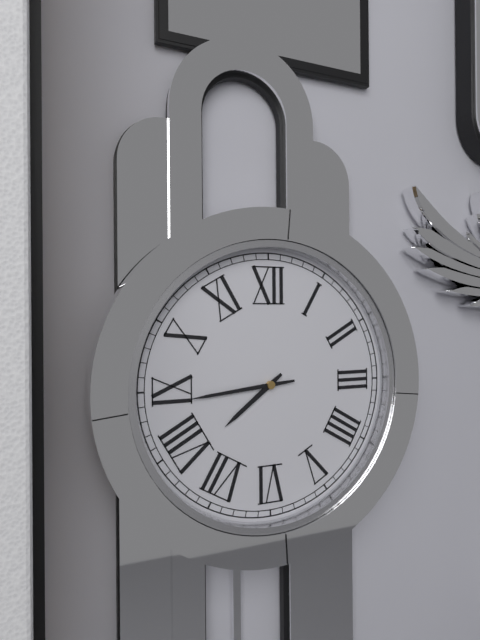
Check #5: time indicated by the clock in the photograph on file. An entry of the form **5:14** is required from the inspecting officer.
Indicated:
**7:44**
